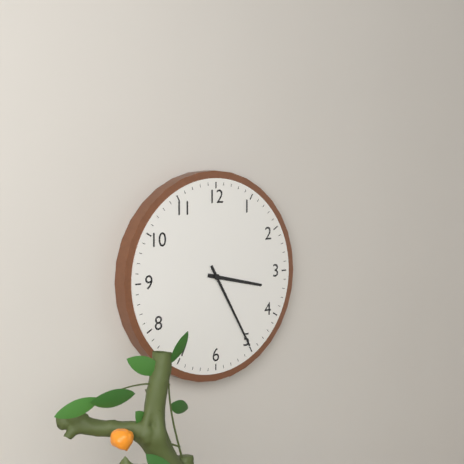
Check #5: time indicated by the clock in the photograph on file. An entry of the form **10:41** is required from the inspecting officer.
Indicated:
**3:25**
